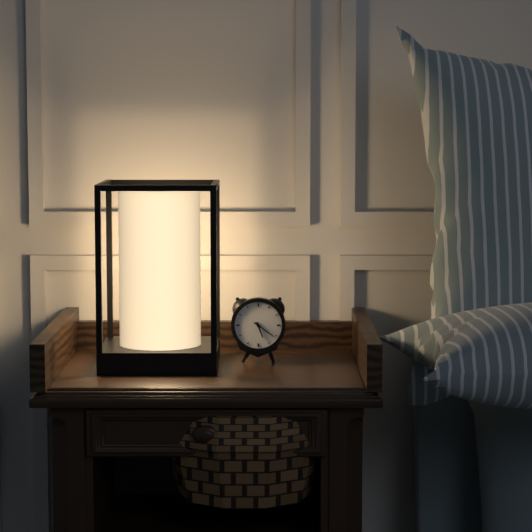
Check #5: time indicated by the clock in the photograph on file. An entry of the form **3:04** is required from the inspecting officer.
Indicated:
**5:21**
